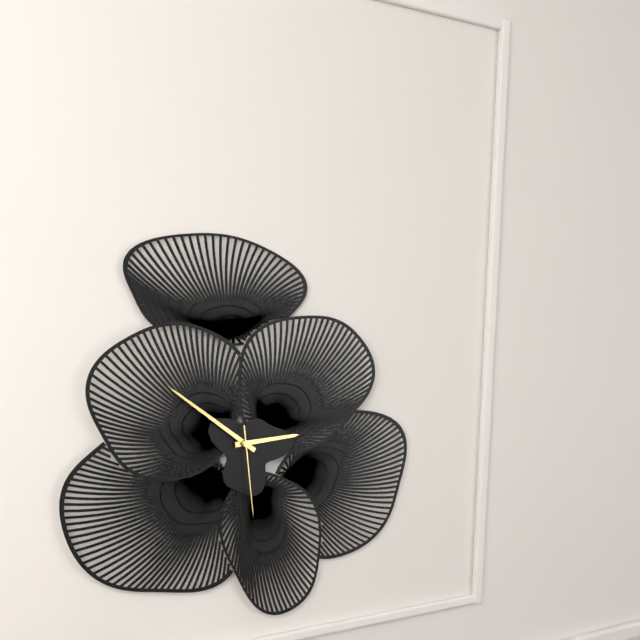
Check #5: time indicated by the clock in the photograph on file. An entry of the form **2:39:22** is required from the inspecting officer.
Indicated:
**2:51:29**
